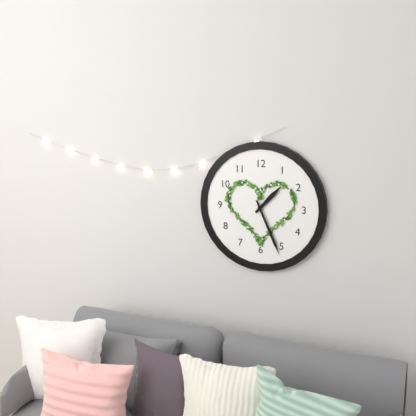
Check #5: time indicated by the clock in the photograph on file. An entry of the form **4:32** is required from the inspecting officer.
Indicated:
**1:26**
